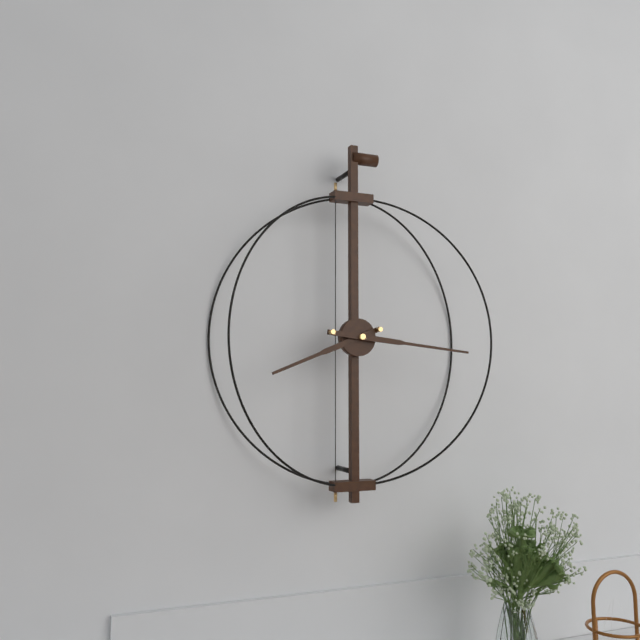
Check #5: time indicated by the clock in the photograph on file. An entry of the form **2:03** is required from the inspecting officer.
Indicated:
**8:16**
